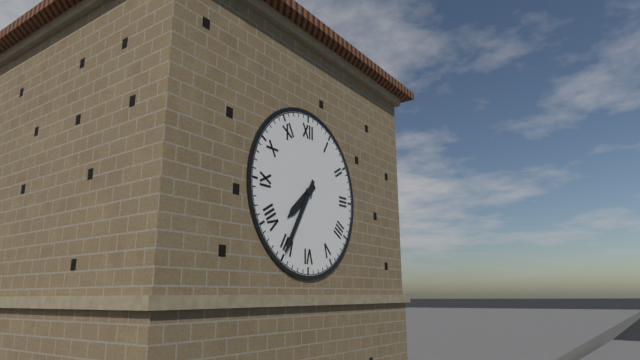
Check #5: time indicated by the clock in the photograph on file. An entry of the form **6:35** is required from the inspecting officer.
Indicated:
**7:35**
